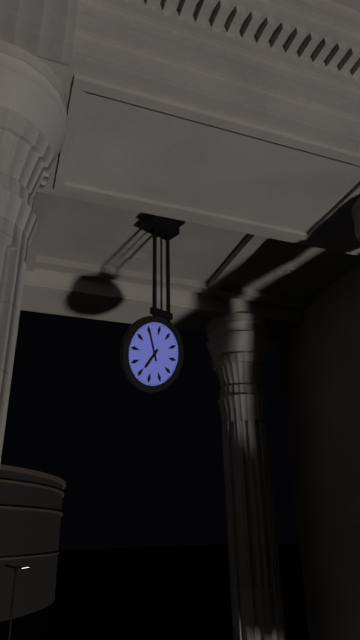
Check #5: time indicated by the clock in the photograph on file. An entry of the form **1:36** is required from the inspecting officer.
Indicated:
**6:55**
